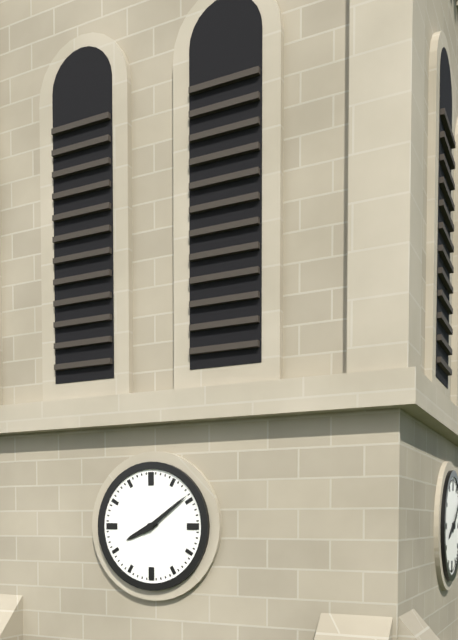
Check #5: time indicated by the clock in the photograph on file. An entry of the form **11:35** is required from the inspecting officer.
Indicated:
**8:09**
